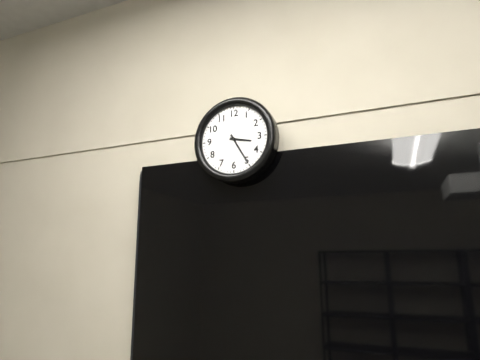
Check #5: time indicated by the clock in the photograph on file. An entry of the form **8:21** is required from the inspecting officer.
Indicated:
**3:25**
